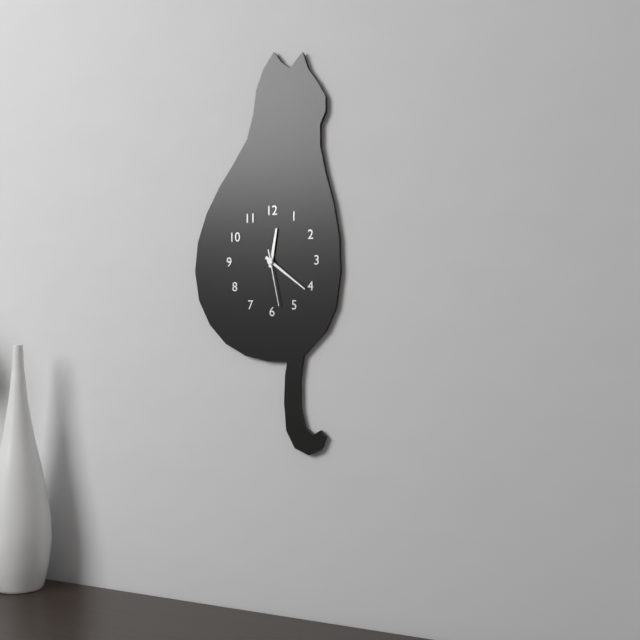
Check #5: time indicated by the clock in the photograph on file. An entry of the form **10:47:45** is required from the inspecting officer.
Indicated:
**12:21:28**
